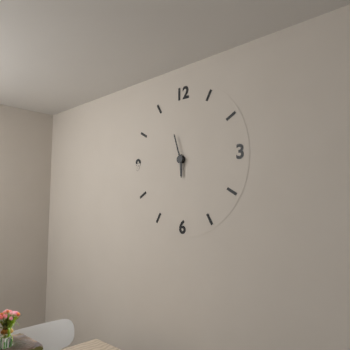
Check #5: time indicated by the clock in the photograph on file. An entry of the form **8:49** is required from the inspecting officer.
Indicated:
**5:57**
